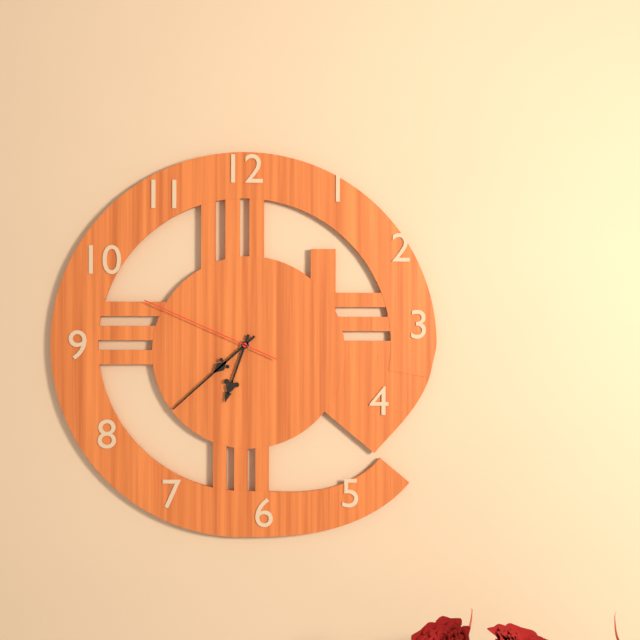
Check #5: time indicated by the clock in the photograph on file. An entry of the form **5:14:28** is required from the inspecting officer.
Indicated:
**6:38:49**
